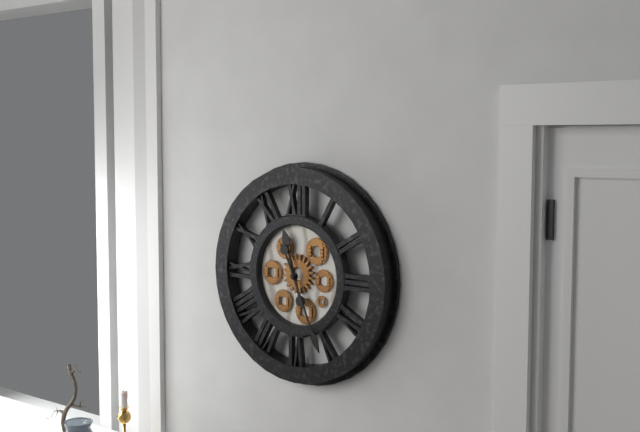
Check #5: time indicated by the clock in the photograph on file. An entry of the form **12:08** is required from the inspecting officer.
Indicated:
**11:26**
